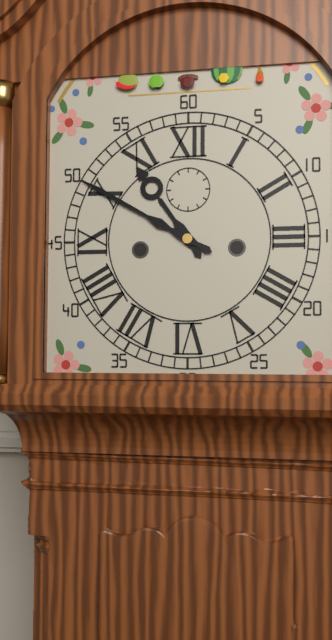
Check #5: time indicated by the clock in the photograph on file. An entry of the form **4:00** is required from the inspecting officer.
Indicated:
**10:50**
